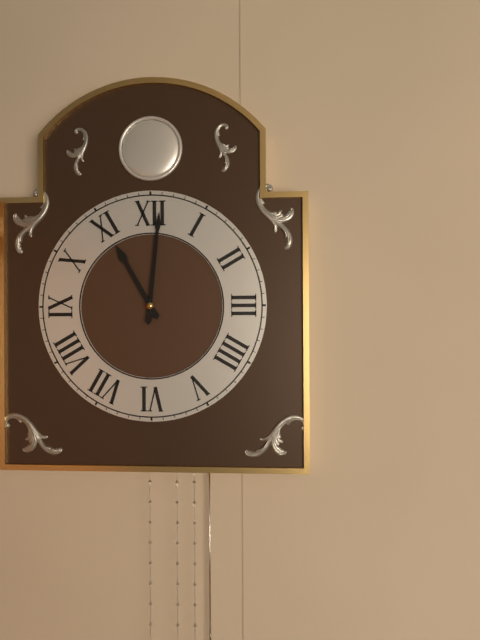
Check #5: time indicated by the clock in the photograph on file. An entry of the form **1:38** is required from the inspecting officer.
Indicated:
**11:01**
